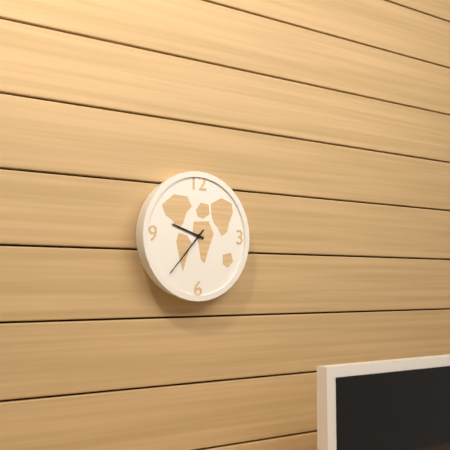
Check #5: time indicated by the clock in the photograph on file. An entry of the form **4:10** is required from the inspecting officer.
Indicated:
**9:37**
